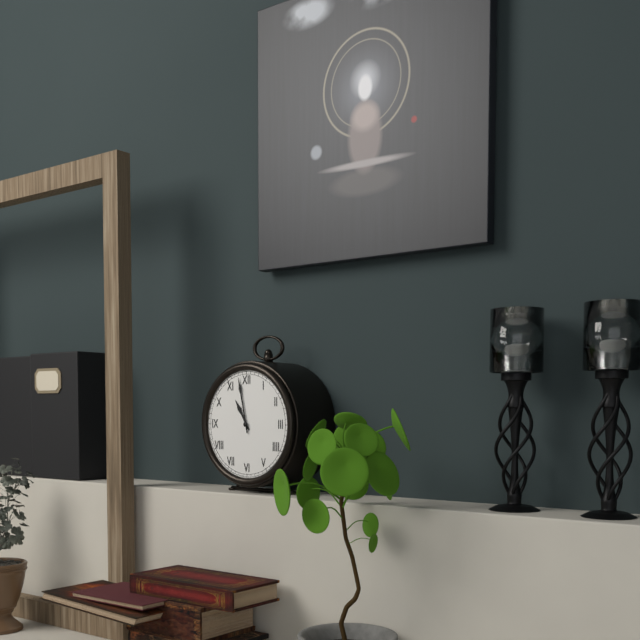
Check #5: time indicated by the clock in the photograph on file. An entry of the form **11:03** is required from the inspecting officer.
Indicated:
**10:58**
